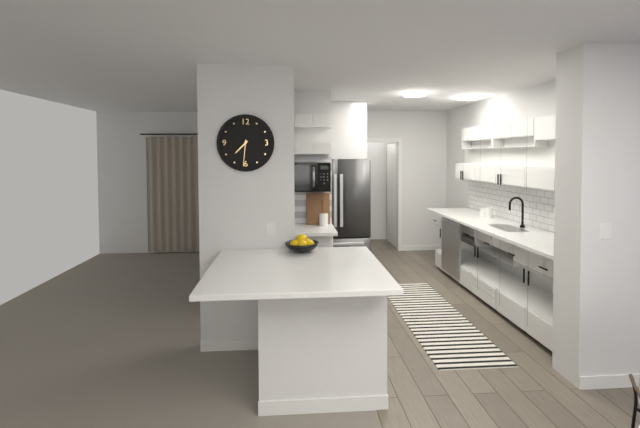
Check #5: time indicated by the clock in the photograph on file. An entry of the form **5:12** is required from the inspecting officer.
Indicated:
**7:31**
